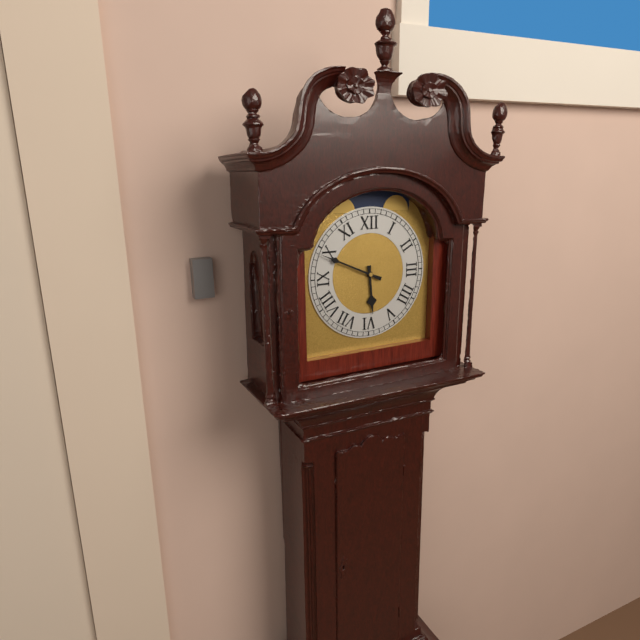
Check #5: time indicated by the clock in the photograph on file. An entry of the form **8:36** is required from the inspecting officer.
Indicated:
**5:49**
